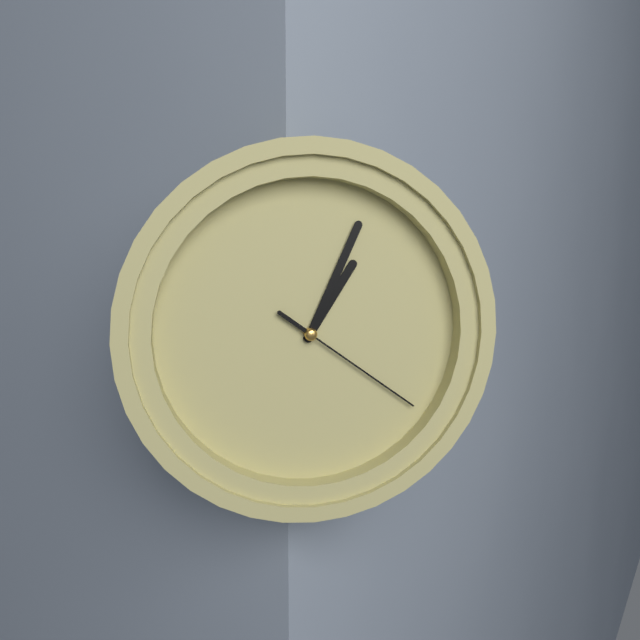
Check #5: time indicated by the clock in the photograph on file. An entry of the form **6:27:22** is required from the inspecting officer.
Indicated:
**1:04:21**
